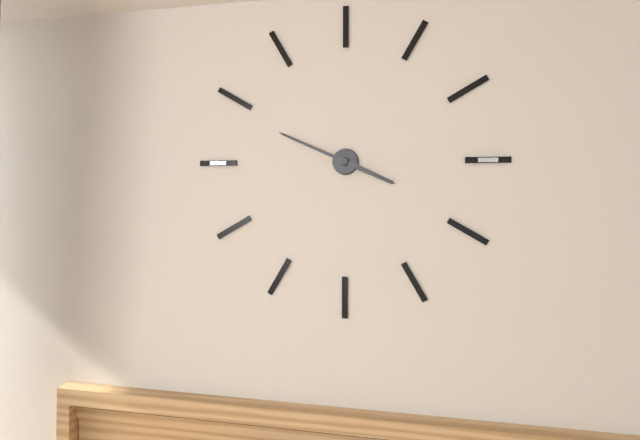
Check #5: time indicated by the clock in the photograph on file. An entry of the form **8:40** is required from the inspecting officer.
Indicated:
**3:49**
